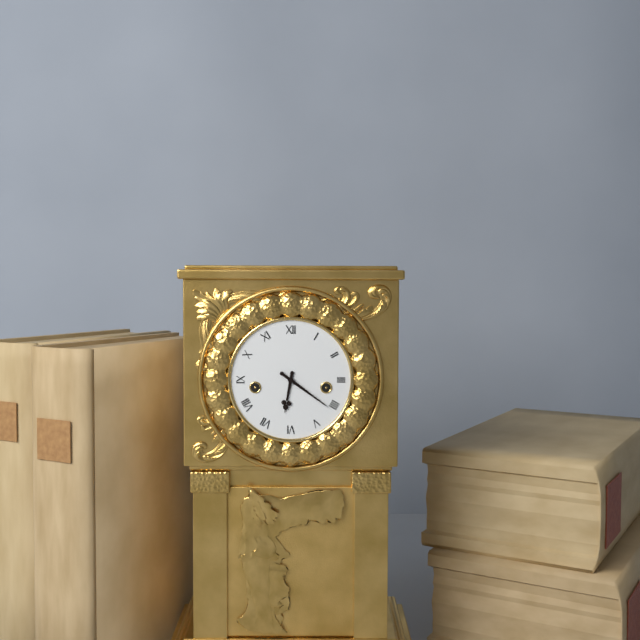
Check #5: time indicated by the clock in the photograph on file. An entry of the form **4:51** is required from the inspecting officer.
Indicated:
**6:21**
